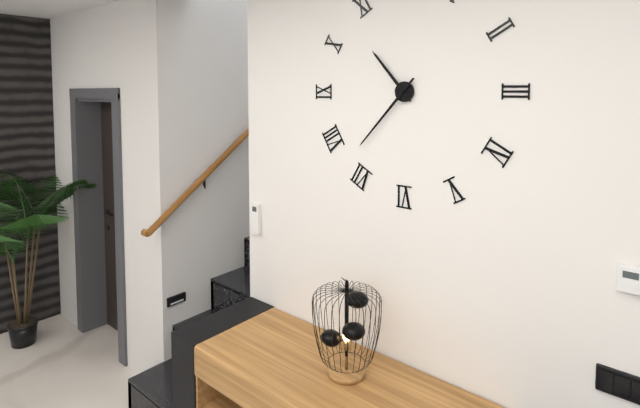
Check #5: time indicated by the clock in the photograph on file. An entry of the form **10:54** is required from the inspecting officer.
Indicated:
**10:37**
